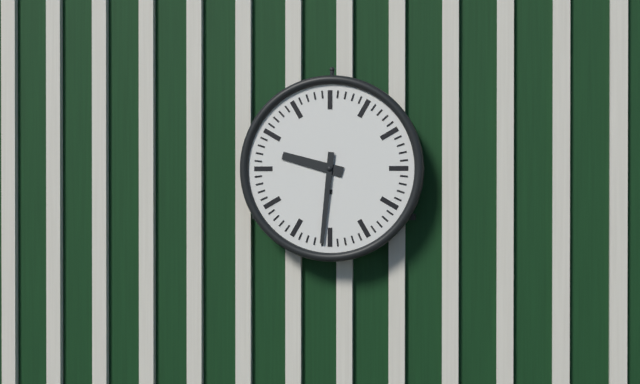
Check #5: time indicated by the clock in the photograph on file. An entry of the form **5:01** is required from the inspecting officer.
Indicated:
**9:31**
